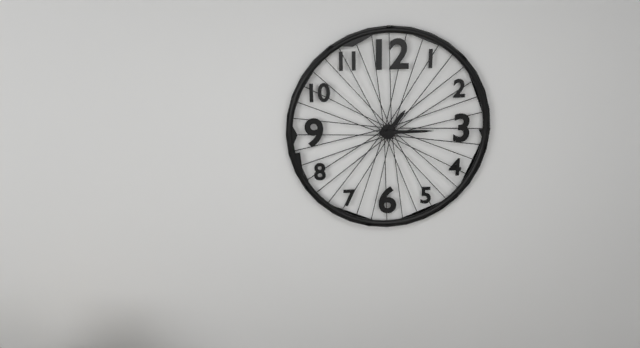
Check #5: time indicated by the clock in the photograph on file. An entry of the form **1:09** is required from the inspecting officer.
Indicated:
**1:15**
